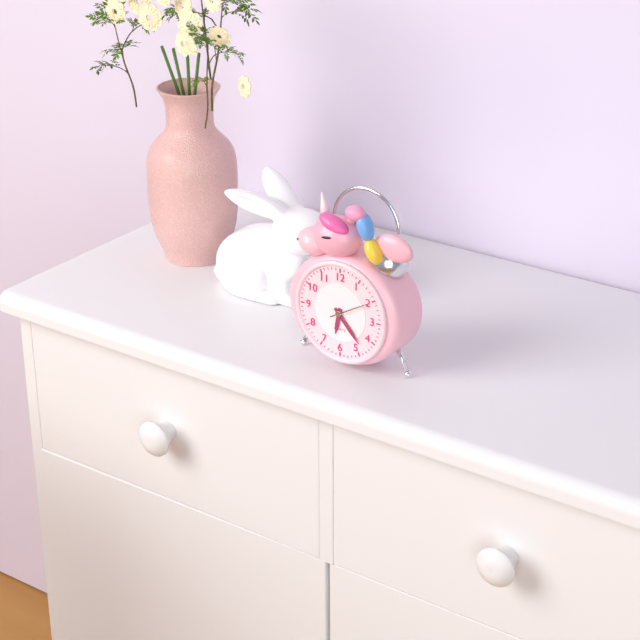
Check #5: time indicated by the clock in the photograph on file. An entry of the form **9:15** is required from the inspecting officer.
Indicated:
**6:23**
